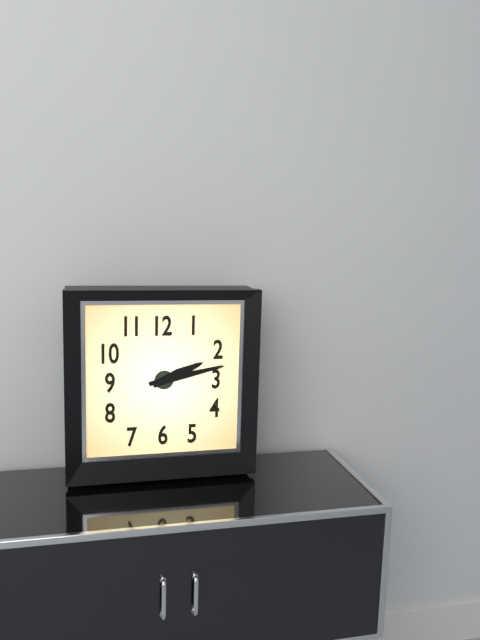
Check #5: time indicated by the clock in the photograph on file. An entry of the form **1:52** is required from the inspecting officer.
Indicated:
**2:13**
